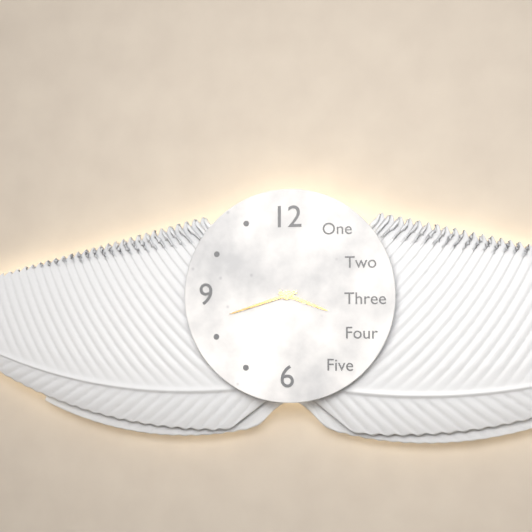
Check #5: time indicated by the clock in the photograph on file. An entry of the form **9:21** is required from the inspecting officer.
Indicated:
**3:42**
